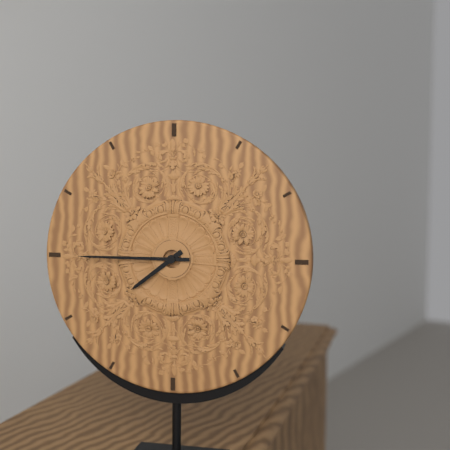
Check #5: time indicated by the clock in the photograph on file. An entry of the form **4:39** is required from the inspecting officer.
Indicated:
**7:45**
